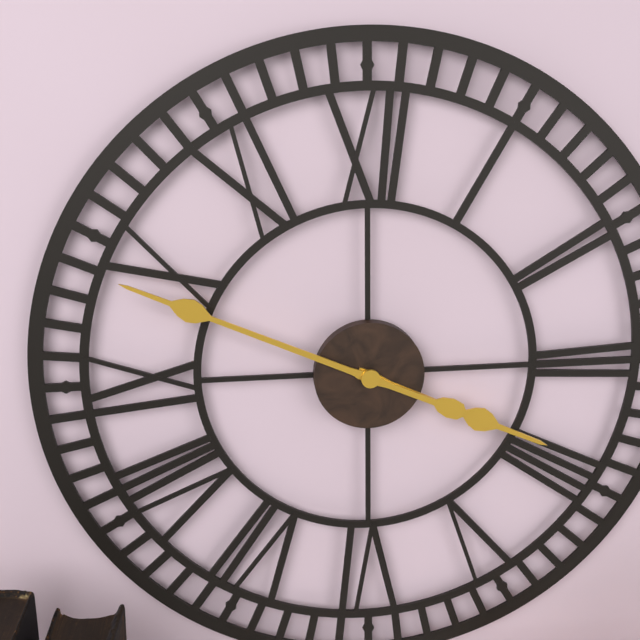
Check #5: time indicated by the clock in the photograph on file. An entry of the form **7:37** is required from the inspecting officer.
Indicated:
**3:49**
